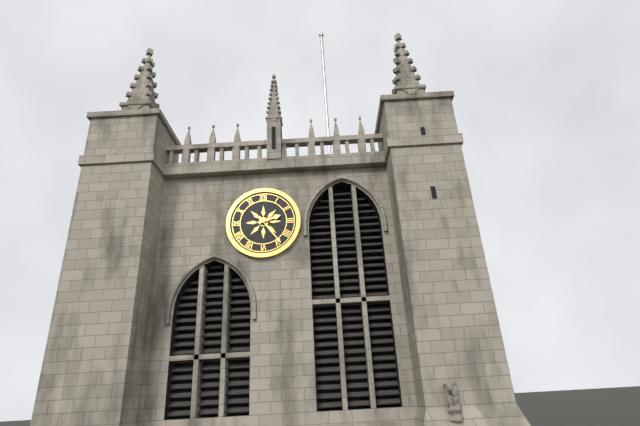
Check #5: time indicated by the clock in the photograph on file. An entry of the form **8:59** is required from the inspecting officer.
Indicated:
**2:24**
